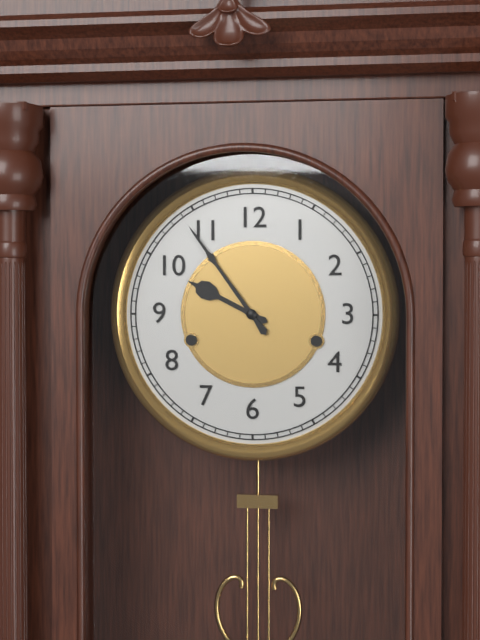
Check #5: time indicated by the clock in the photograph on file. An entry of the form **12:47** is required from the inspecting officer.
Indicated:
**9:54**
